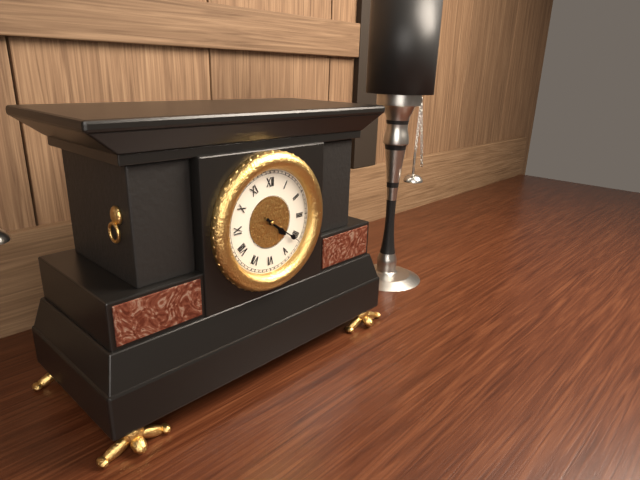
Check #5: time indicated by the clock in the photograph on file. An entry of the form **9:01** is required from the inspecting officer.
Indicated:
**4:21**
